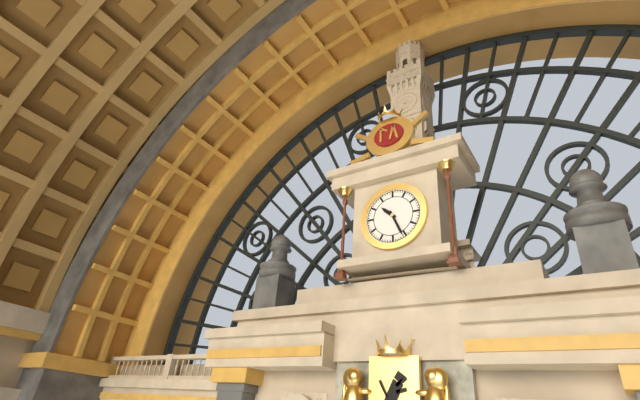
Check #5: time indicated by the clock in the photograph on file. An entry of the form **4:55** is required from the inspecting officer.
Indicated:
**10:26**
